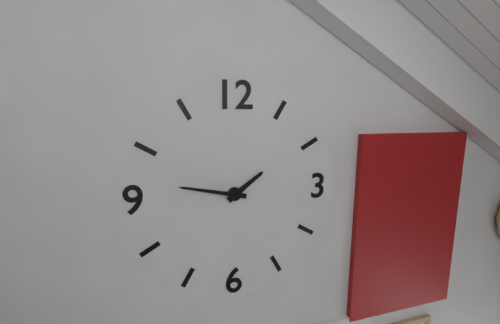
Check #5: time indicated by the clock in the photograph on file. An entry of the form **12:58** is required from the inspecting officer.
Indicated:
**1:47**
